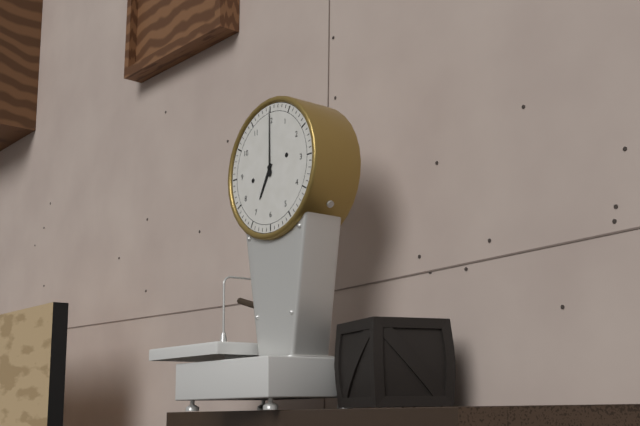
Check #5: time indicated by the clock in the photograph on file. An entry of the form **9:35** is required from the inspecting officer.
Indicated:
**7:00**
